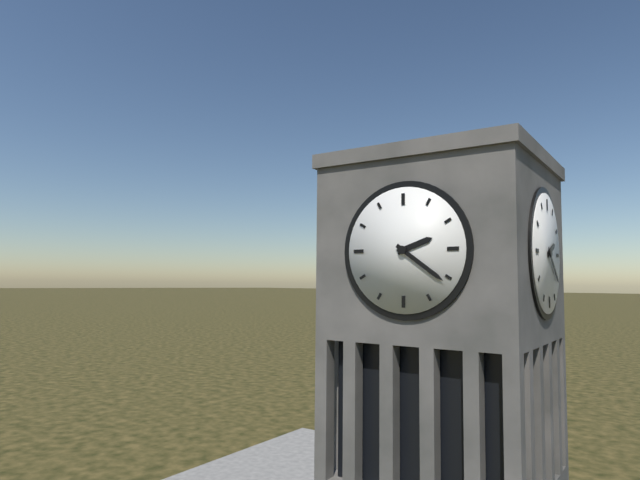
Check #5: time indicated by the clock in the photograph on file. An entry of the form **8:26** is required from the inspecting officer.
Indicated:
**2:21**
